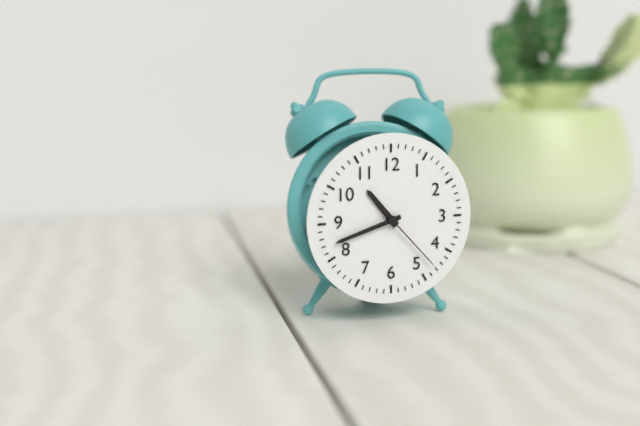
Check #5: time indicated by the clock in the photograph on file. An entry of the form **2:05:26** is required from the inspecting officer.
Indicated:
**10:42:23**
